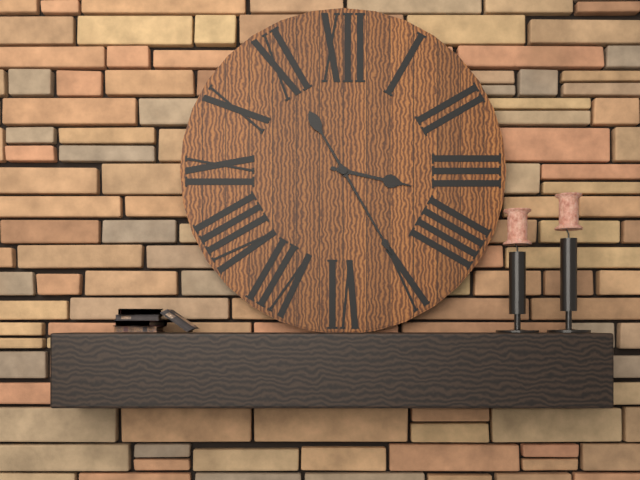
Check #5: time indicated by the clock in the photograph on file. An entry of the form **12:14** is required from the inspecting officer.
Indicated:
**3:25**
